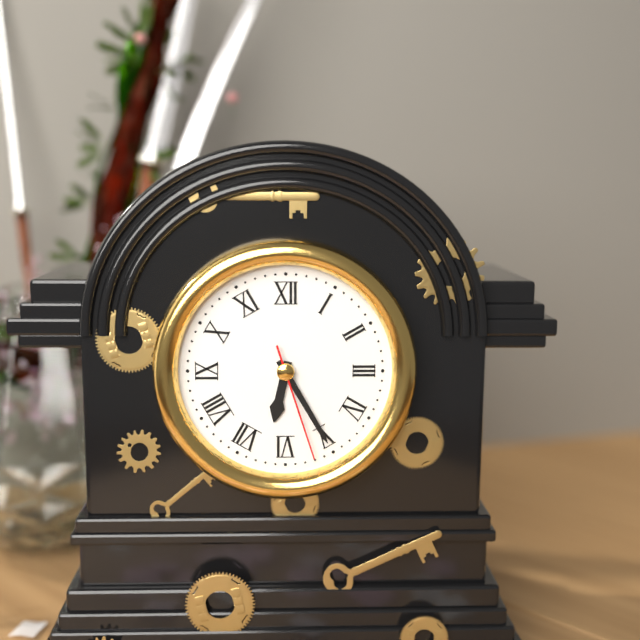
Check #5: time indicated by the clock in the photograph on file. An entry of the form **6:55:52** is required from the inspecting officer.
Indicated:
**6:25:27**
